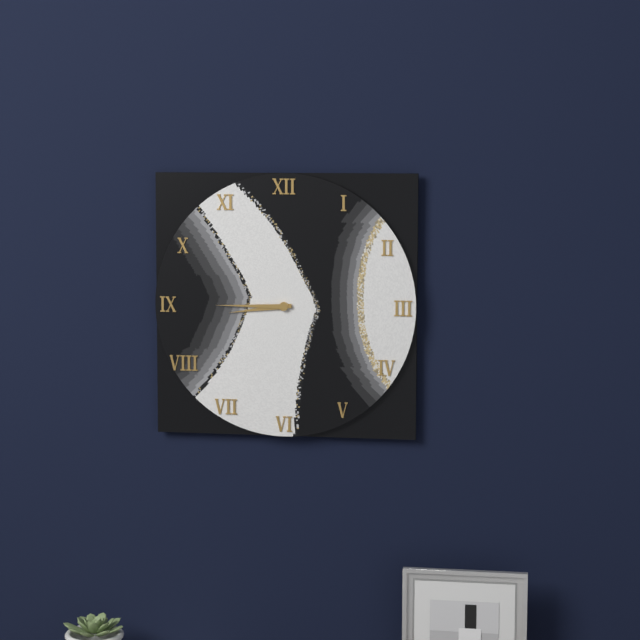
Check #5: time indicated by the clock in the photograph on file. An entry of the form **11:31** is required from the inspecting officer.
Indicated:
**8:45**
